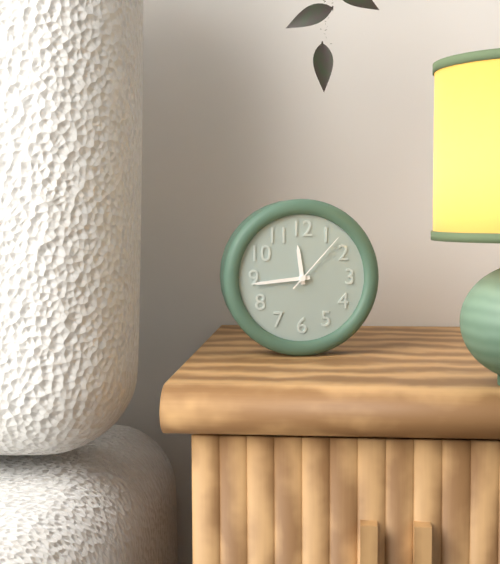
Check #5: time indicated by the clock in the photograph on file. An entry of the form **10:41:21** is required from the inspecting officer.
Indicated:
**11:44:07**
